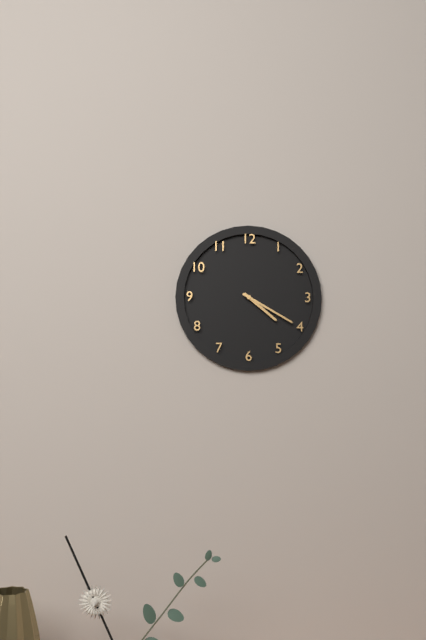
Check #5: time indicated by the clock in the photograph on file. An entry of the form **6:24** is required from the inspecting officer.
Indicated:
**4:20**
